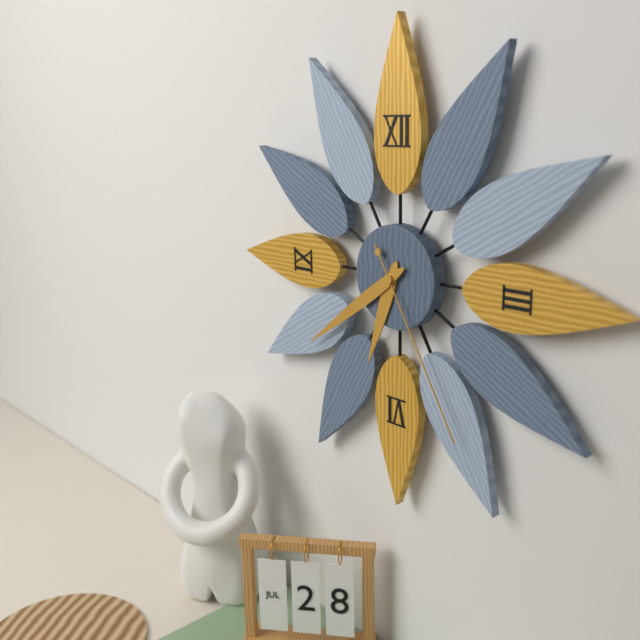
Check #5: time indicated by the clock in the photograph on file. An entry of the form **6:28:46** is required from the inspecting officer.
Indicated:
**6:39:25**
